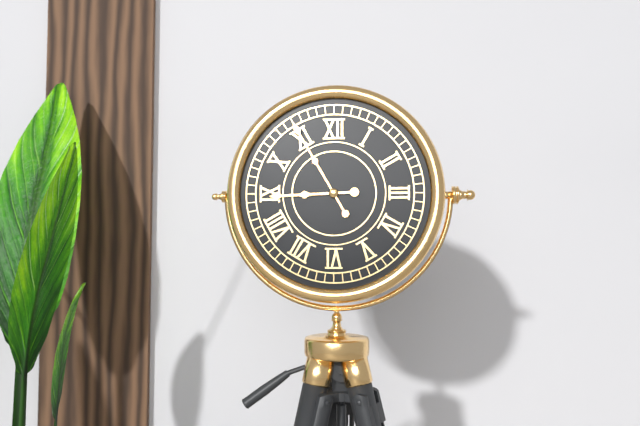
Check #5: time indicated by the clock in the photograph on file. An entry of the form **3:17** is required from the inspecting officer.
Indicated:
**8:55**
